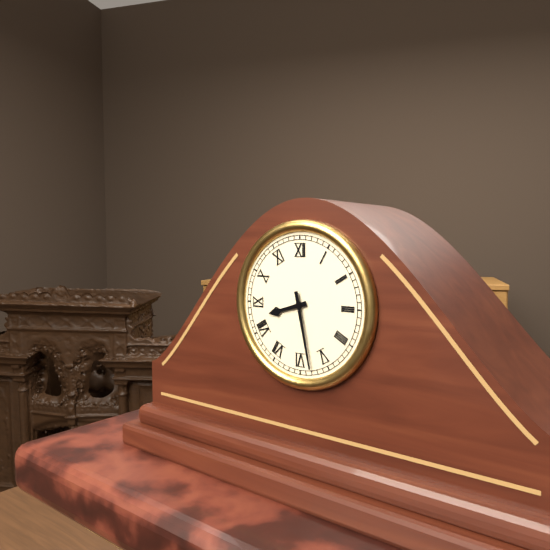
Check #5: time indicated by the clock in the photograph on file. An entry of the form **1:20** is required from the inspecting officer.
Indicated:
**8:28**
